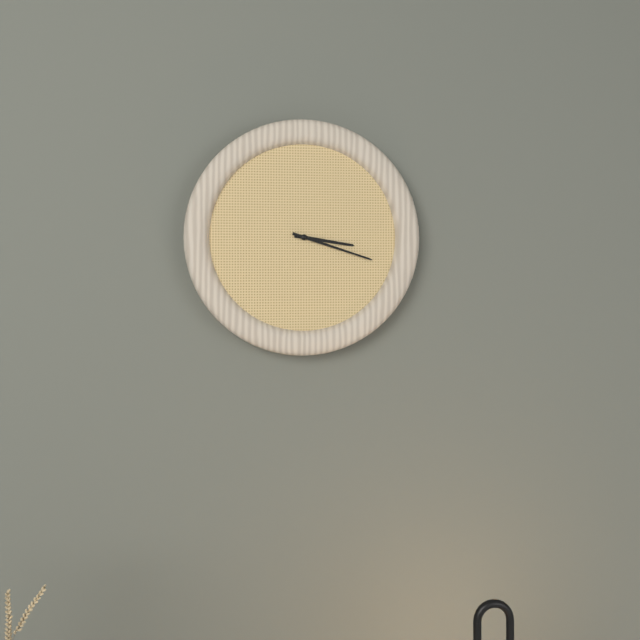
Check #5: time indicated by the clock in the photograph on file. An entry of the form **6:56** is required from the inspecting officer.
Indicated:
**3:18**
